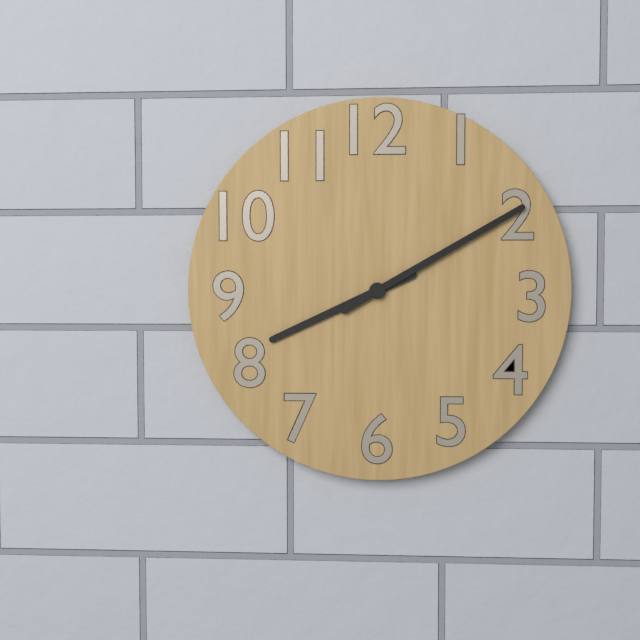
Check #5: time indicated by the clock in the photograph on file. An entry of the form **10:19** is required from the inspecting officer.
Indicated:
**8:10**
